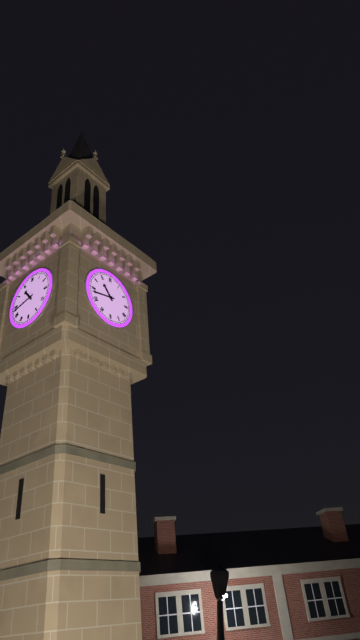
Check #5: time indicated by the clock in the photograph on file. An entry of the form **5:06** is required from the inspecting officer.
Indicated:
**10:43**
